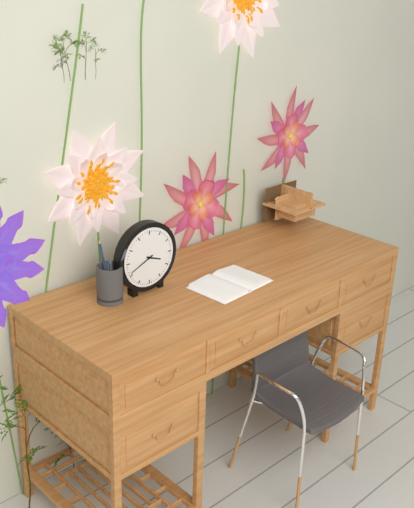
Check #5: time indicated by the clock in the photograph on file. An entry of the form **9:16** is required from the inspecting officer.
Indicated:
**3:41**
